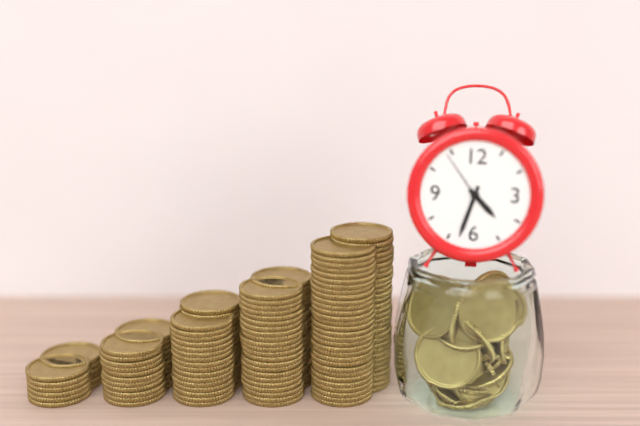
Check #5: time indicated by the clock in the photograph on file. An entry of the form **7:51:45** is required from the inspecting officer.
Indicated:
**4:33:54**
